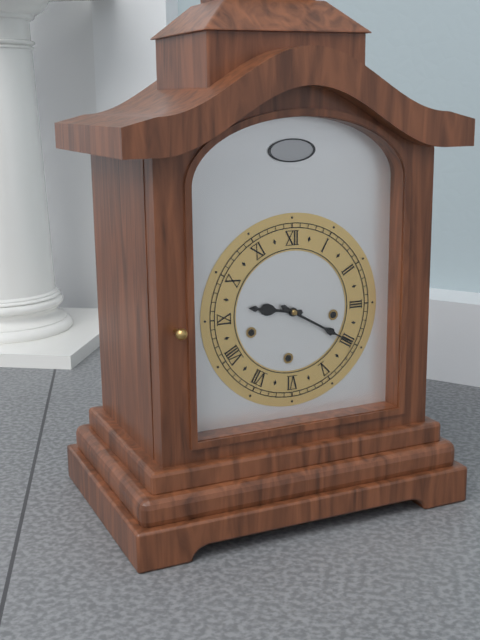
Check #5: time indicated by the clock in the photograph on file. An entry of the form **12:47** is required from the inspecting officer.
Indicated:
**9:20**
